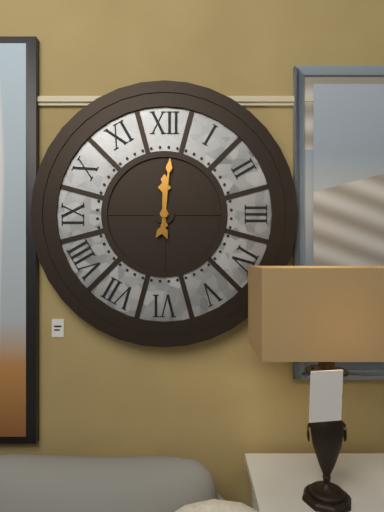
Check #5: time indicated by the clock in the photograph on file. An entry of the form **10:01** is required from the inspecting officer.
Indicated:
**12:01**
